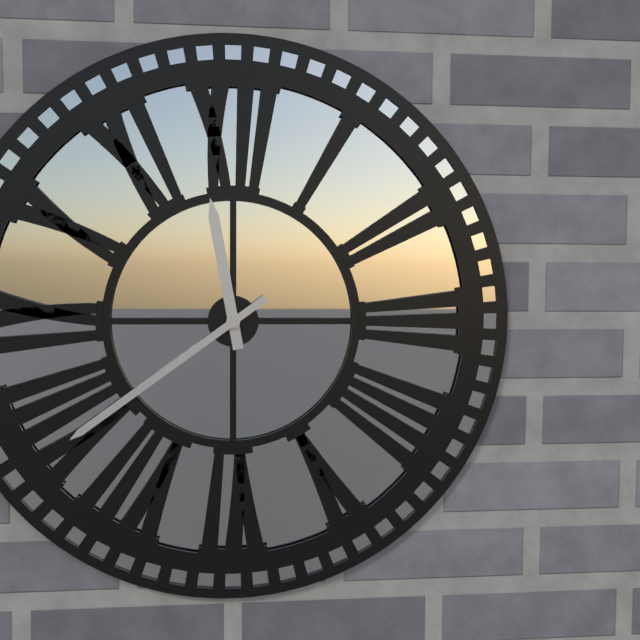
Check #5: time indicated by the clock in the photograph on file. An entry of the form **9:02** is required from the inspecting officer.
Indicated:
**11:39**
